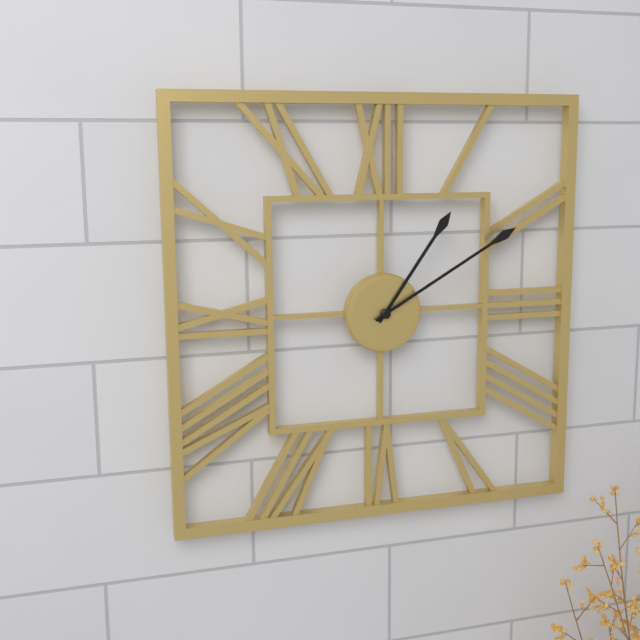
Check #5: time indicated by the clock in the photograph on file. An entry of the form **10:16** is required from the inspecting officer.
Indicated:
**1:10**
